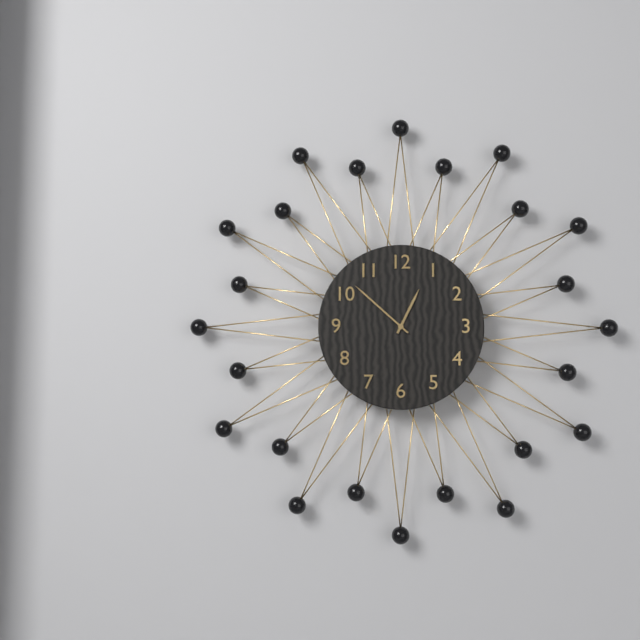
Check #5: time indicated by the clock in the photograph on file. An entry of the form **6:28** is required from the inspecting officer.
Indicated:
**12:52**
